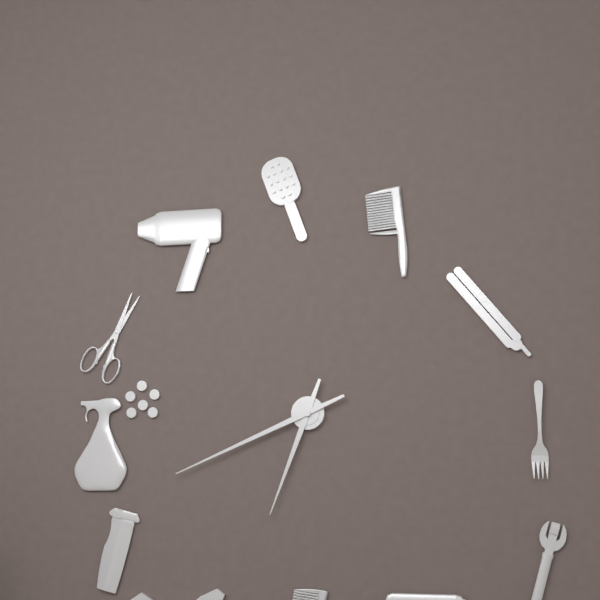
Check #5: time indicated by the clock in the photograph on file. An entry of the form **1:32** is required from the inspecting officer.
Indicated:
**6:41**
